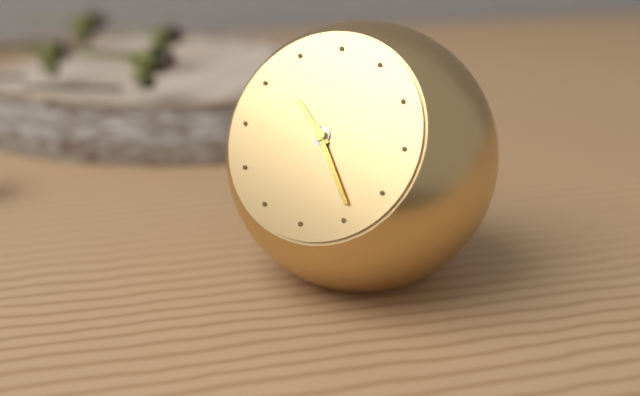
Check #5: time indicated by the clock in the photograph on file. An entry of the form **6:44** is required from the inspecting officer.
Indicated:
**10:24**
